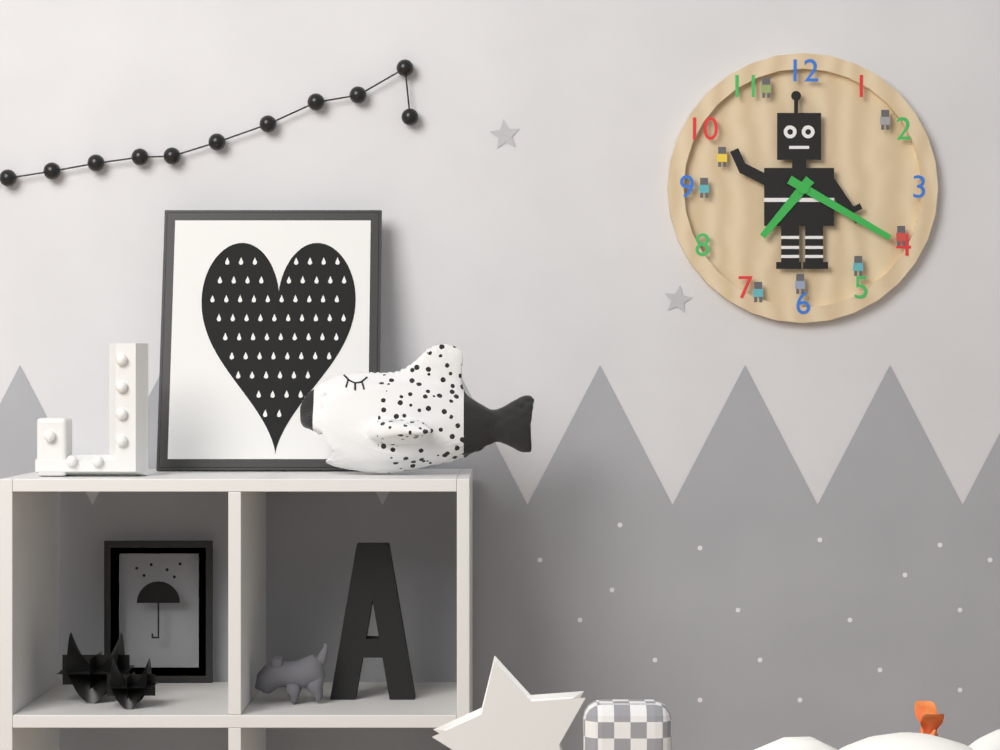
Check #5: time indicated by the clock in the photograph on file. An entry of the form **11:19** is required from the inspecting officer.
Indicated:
**7:20**
